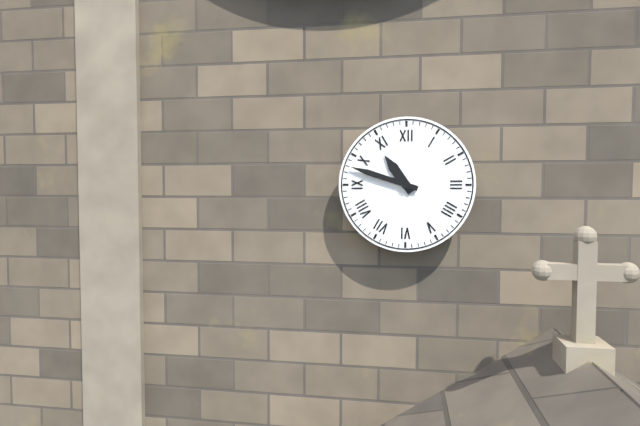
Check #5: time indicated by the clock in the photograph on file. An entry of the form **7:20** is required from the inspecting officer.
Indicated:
**10:48**
